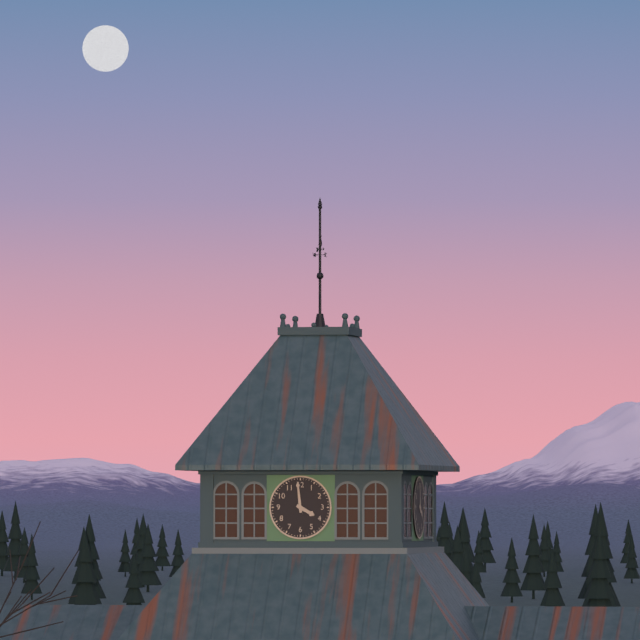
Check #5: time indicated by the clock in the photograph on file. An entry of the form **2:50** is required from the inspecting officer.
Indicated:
**3:59**
